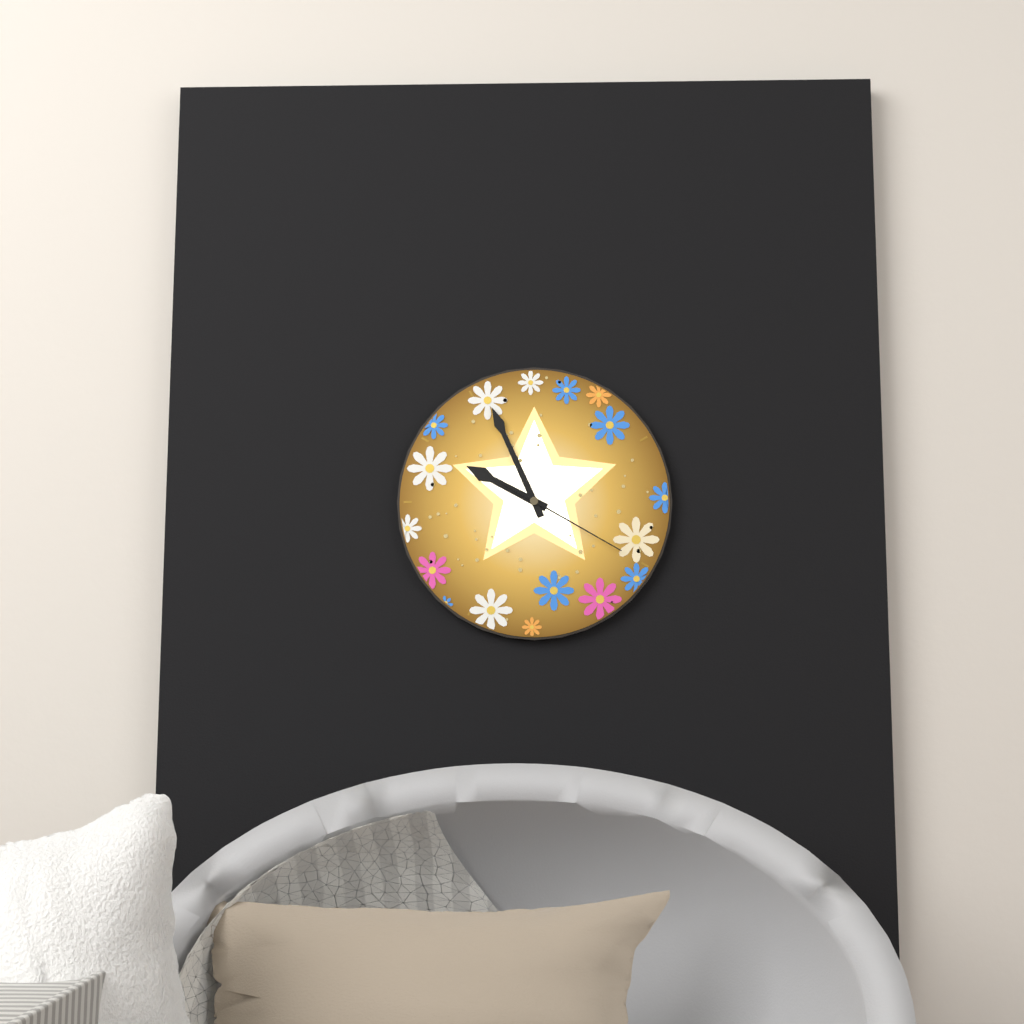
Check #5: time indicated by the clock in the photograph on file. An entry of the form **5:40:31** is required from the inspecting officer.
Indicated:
**9:56:20**
